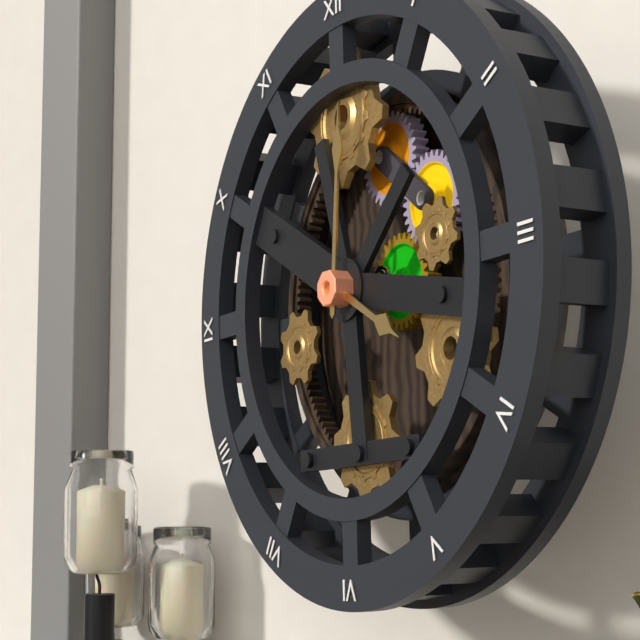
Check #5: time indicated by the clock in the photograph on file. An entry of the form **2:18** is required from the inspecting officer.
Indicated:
**4:01**
